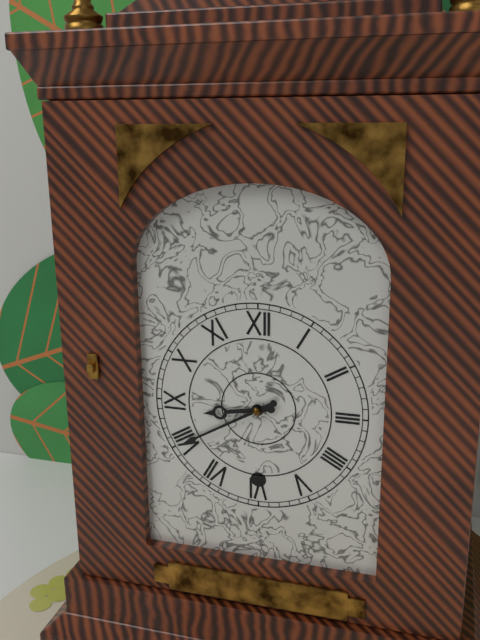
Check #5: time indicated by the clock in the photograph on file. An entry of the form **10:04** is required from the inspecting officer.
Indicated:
**8:40**
